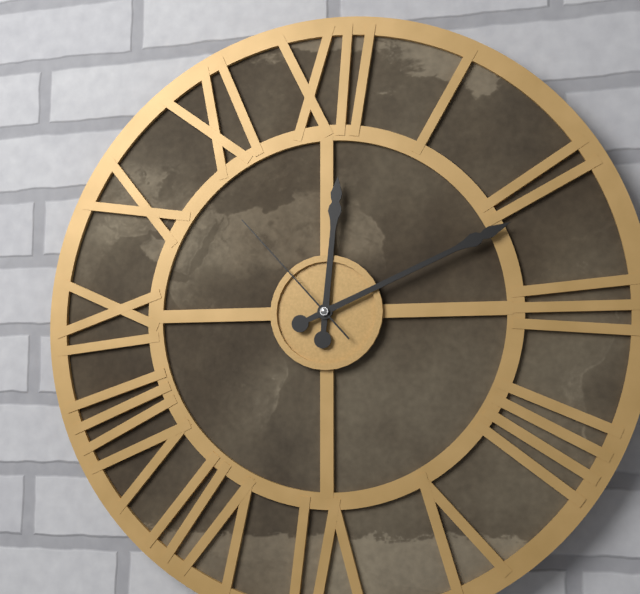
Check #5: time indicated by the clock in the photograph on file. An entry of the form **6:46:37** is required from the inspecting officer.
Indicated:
**12:11:53**
